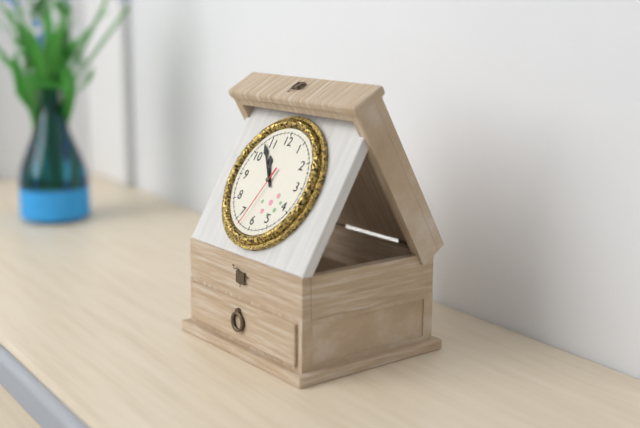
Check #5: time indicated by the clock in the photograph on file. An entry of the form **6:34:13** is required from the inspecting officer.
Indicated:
**10:53:33**
